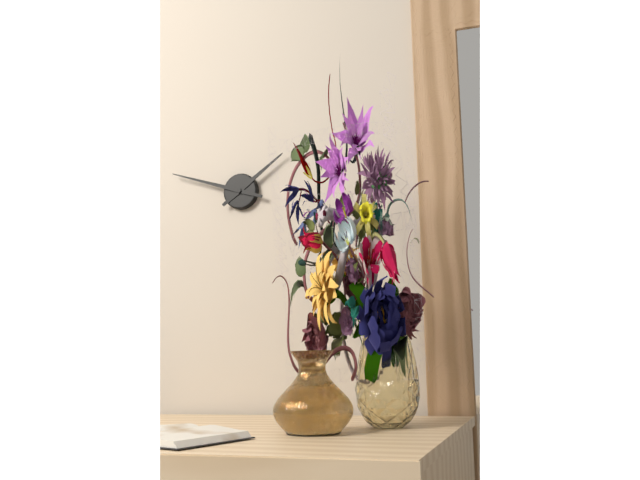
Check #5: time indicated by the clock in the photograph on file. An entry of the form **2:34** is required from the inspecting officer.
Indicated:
**1:48**
